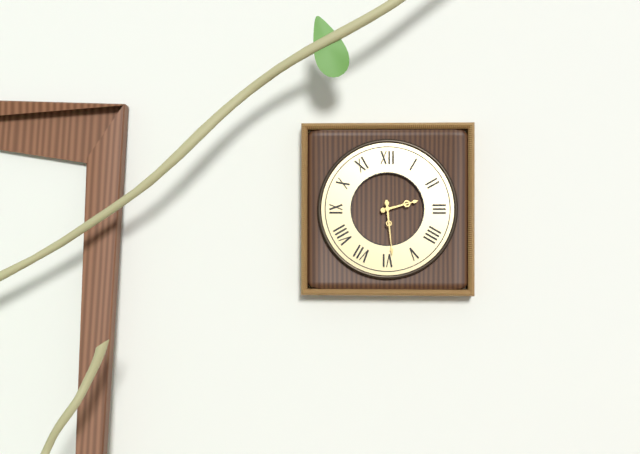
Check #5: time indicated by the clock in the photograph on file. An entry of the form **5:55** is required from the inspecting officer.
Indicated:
**2:29**
